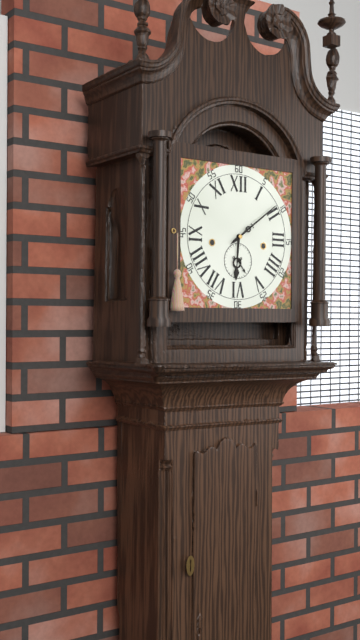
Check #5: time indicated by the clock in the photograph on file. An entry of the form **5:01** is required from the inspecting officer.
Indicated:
**6:09**
